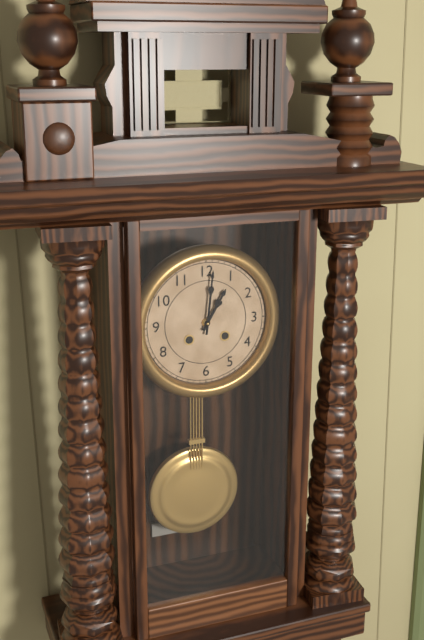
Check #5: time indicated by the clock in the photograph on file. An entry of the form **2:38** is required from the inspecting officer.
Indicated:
**1:01**
